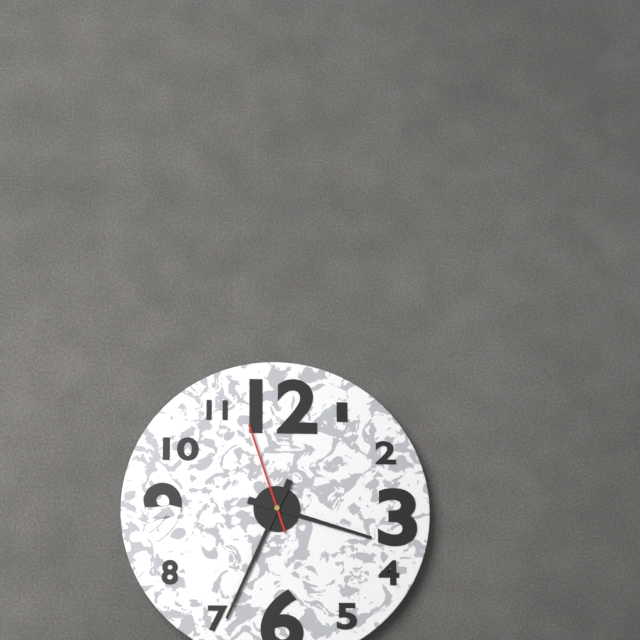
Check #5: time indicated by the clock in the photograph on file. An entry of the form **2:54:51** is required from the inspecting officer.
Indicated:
**3:34:57**
